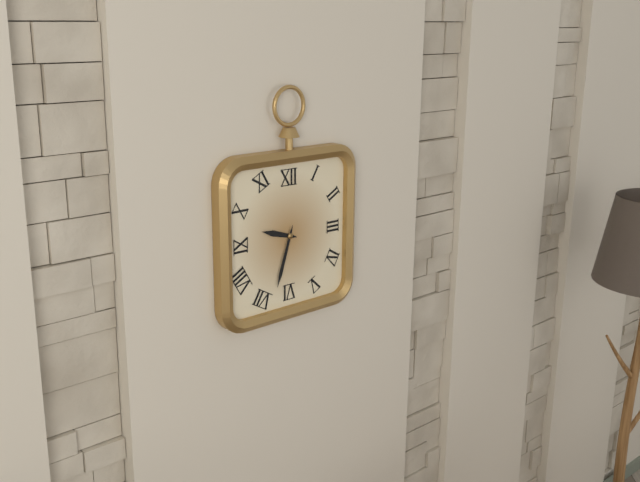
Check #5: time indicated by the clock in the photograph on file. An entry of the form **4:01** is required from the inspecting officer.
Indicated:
**9:33**
